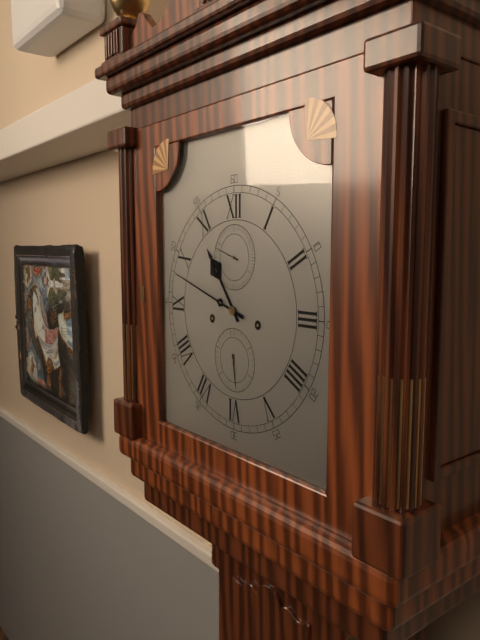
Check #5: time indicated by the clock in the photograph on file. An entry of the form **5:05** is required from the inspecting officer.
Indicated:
**10:48**
